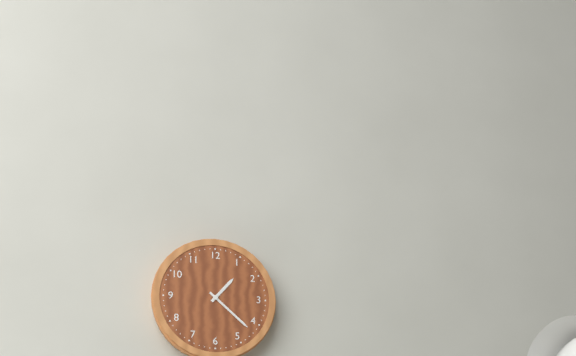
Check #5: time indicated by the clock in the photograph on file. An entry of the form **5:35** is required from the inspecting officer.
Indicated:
**1:22**
